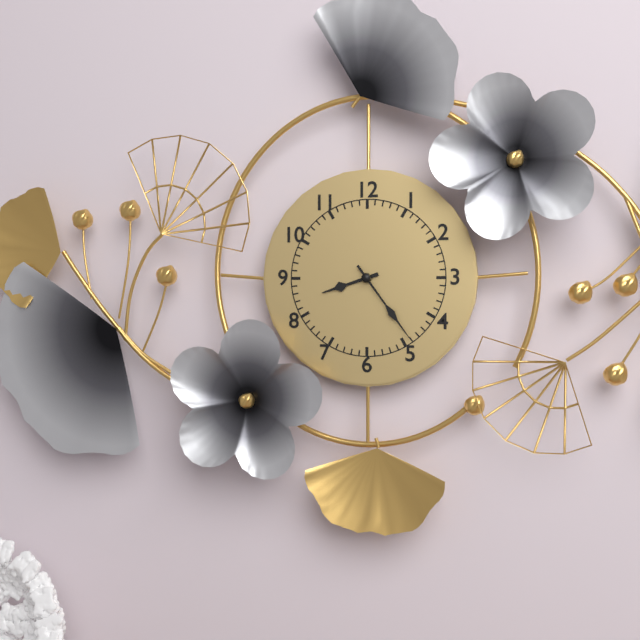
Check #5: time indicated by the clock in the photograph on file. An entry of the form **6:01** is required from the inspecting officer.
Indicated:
**8:24**
